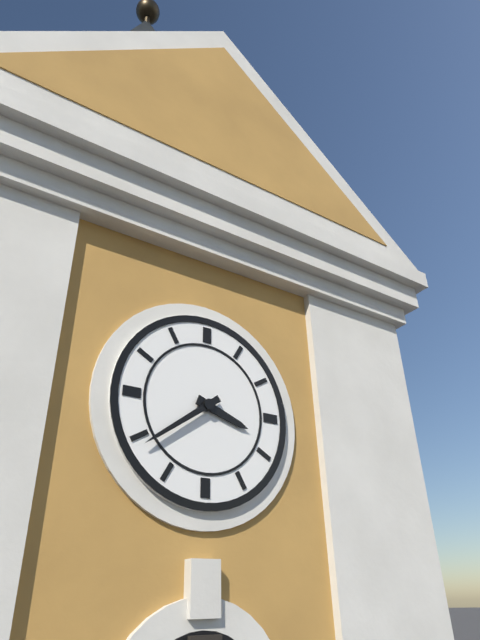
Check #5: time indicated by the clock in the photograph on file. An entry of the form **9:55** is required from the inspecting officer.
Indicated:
**3:39**
